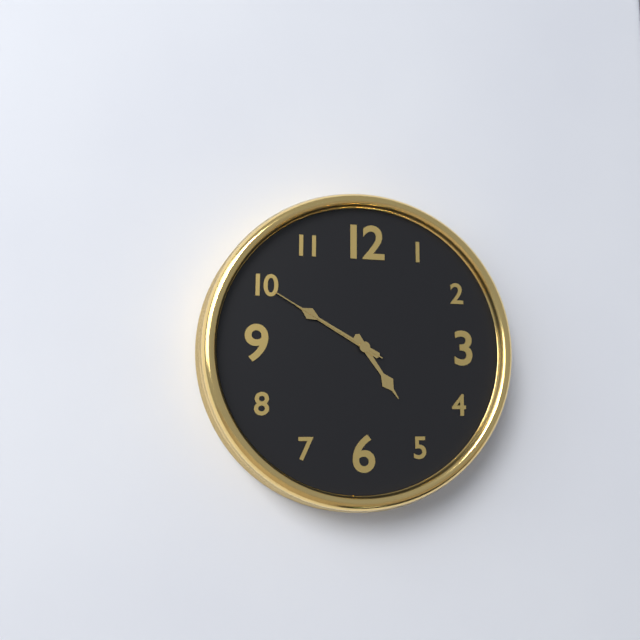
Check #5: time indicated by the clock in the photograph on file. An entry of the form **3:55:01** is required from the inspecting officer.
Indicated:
**4:50:50**
